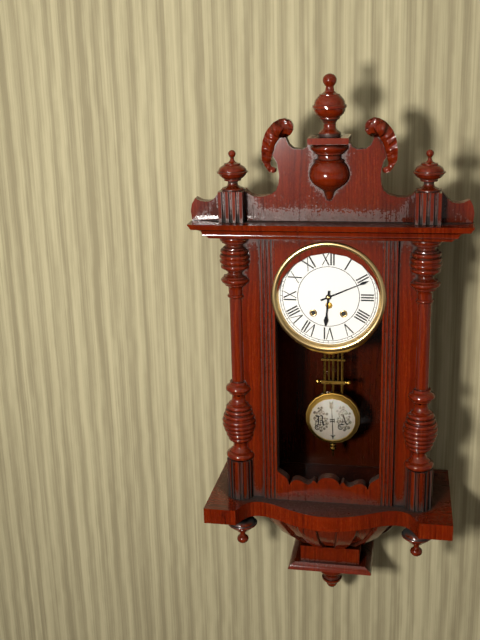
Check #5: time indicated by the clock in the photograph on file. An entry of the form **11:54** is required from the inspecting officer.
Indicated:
**6:11**
